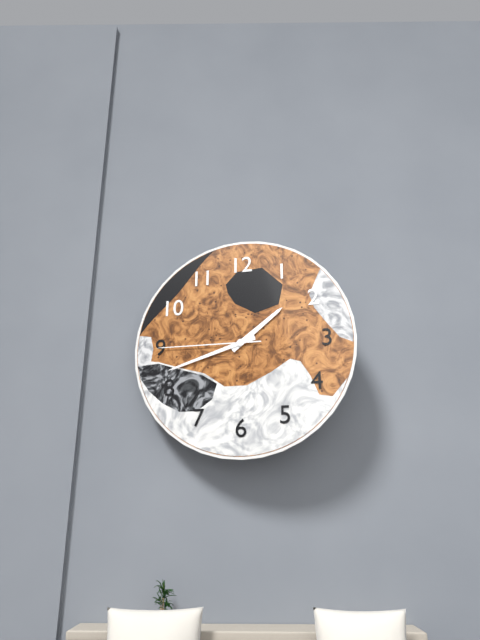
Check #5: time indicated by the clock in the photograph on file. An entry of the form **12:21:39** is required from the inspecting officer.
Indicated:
**1:42:45**
